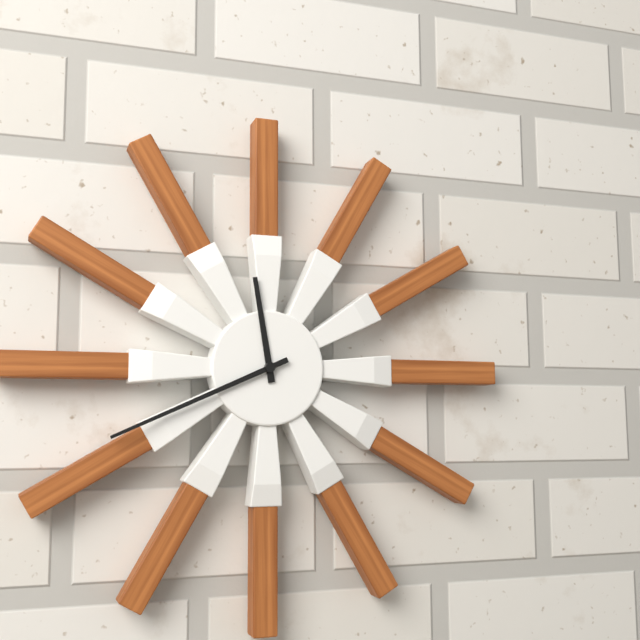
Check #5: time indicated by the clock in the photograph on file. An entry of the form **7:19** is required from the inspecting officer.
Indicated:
**11:41**
